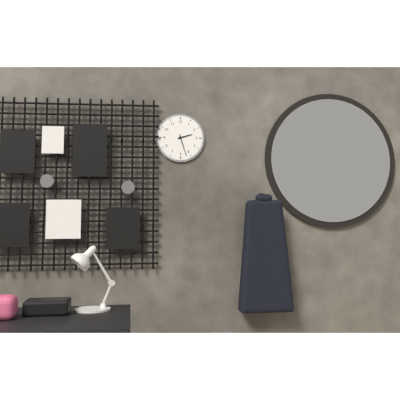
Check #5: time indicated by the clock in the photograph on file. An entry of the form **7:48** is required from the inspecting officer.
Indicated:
**2:27**
